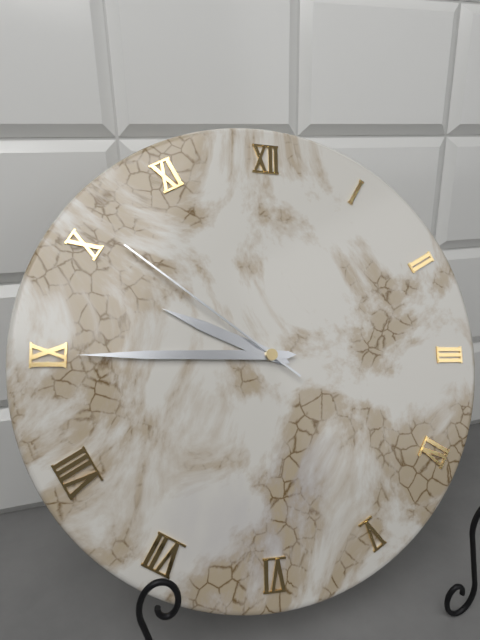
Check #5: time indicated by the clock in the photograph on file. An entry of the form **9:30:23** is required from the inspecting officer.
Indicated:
**9:45:51**
